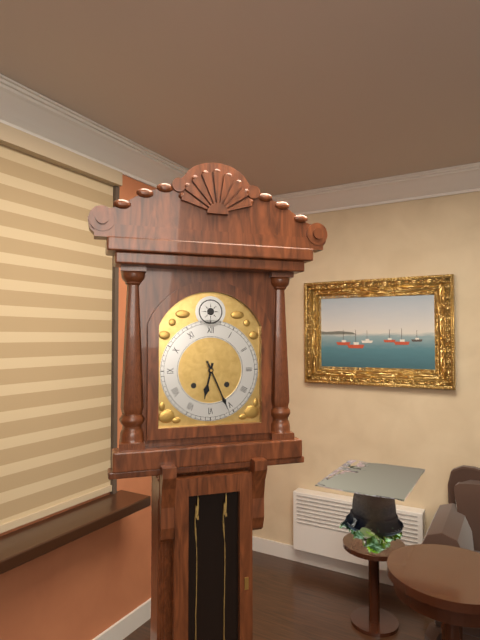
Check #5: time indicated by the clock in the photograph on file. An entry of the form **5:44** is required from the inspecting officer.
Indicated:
**6:26**
